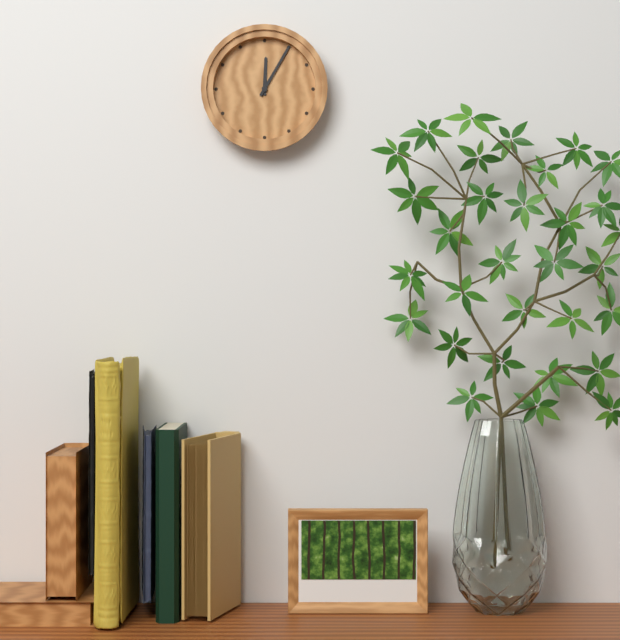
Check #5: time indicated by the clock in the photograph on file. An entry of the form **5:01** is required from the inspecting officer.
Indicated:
**12:05**
